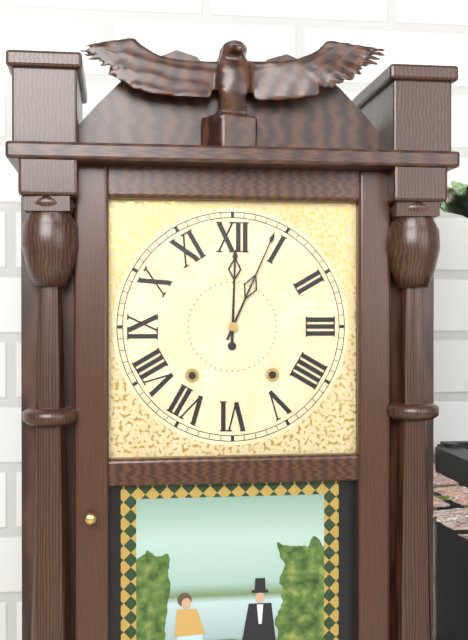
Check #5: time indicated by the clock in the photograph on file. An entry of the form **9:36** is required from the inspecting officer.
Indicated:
**12:04**
